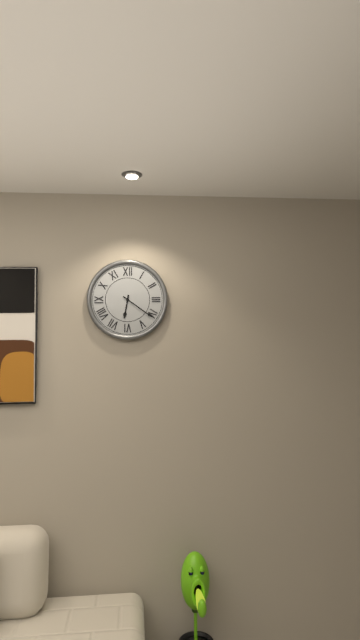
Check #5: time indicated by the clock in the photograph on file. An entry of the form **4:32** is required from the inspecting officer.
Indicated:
**6:21**
